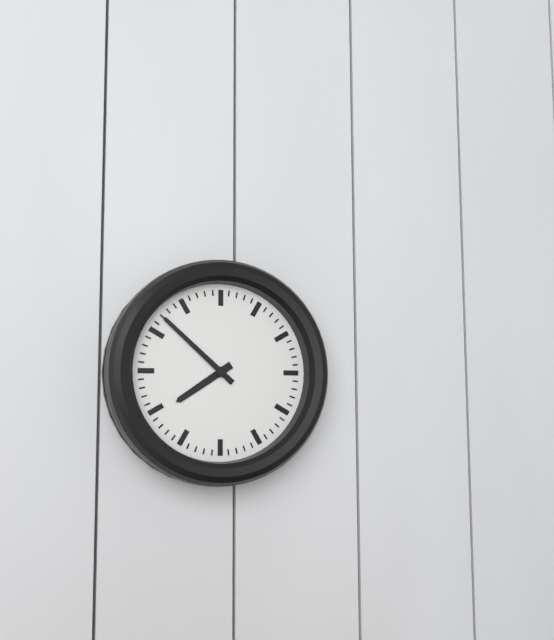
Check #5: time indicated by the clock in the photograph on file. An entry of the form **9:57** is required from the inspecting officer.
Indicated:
**7:52**
